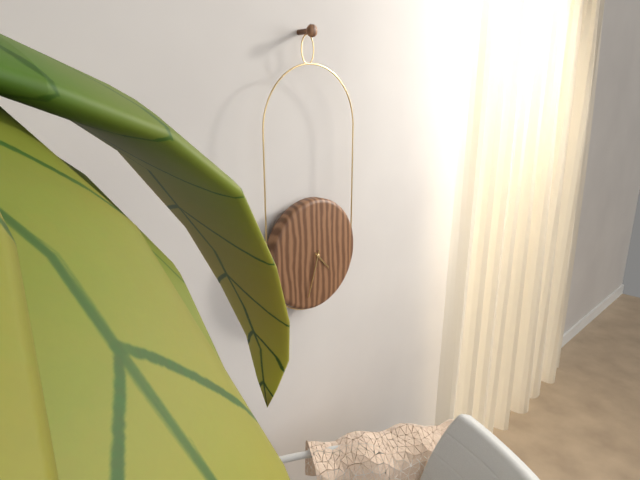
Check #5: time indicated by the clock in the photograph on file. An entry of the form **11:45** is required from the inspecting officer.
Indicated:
**4:33**
